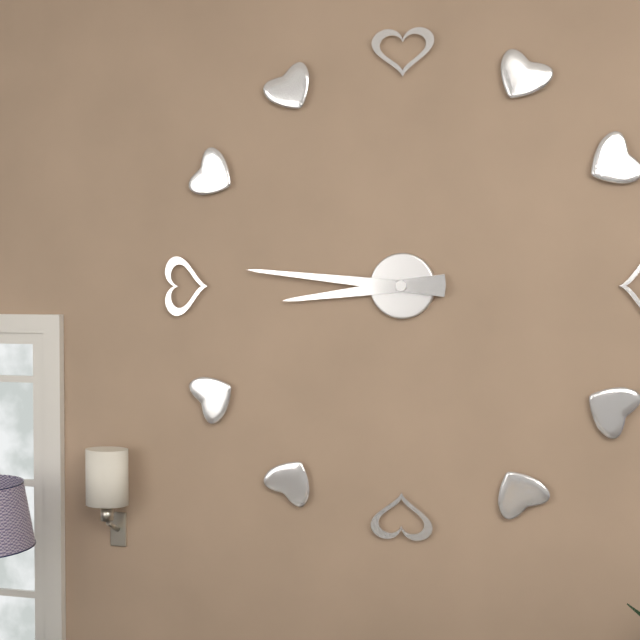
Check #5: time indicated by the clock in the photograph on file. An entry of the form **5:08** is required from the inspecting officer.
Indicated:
**8:46**
